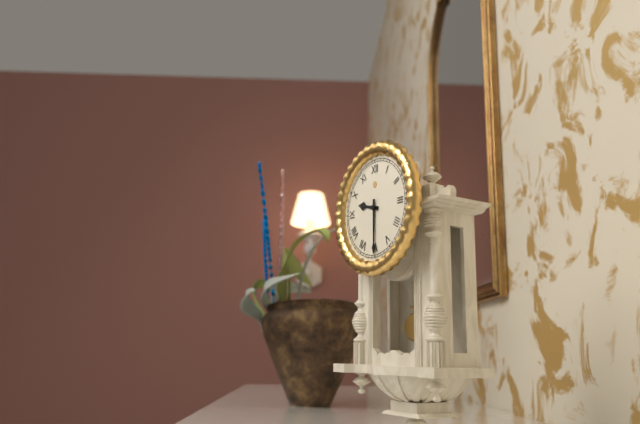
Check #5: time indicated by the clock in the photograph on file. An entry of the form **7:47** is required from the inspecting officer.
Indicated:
**9:30**
